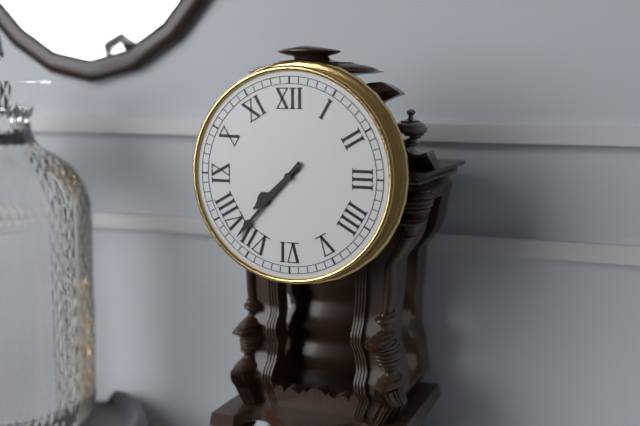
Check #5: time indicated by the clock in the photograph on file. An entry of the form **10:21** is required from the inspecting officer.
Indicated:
**7:37**
